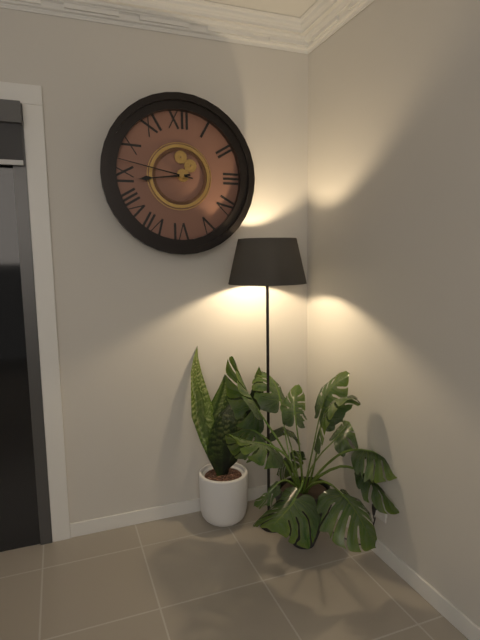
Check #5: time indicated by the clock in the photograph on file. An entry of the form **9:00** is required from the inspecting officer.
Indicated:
**8:47**
